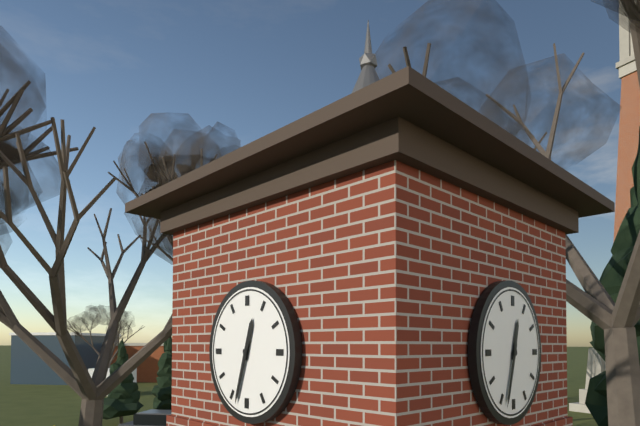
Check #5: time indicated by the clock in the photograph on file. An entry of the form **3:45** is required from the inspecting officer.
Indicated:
**12:33**
